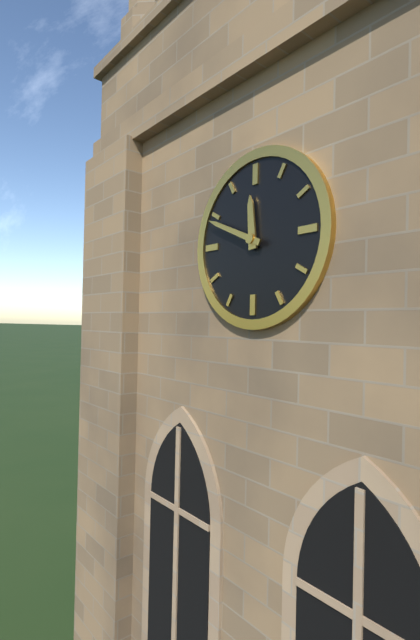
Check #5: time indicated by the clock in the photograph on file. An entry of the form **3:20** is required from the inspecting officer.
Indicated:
**11:49**
